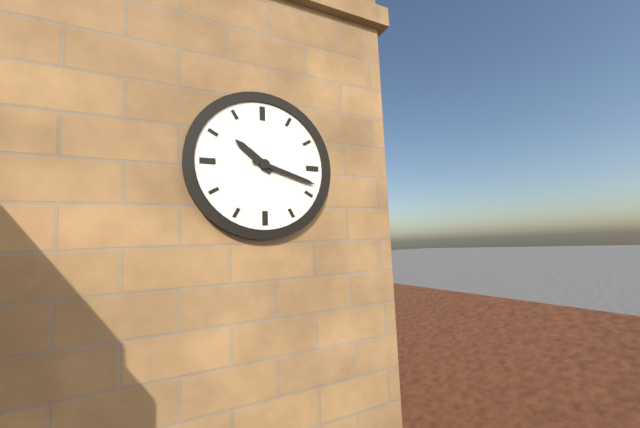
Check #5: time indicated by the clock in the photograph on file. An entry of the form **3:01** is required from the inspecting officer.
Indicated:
**10:18**
